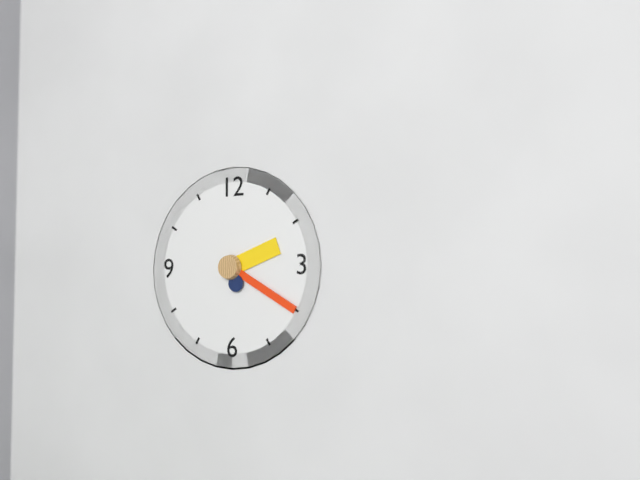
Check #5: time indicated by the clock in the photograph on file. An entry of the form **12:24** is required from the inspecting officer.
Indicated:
**2:20**
